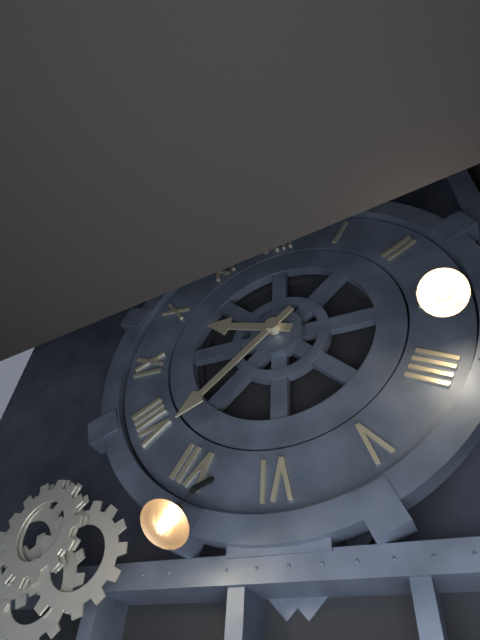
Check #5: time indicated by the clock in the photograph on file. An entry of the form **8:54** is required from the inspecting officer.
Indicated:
**9:38**
